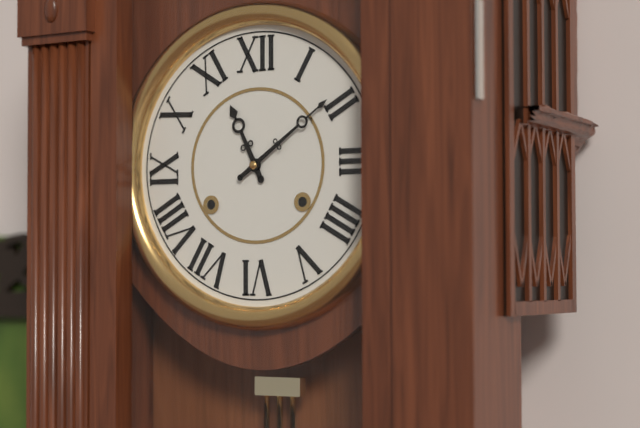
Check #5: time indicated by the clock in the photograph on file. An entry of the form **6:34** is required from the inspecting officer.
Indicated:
**11:09**
